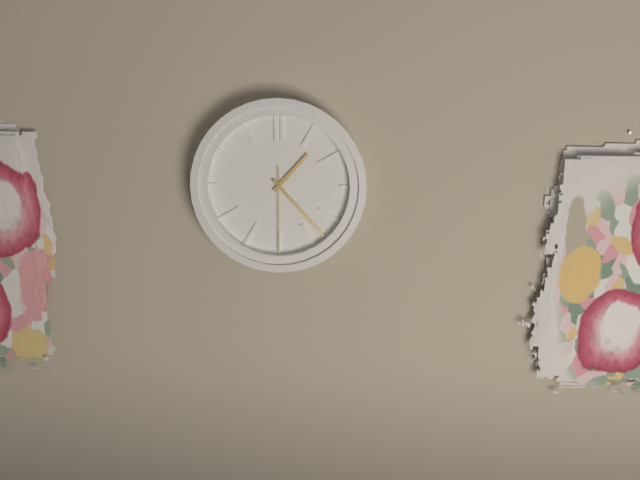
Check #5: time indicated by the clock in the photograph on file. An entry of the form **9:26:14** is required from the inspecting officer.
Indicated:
**1:23:30**
